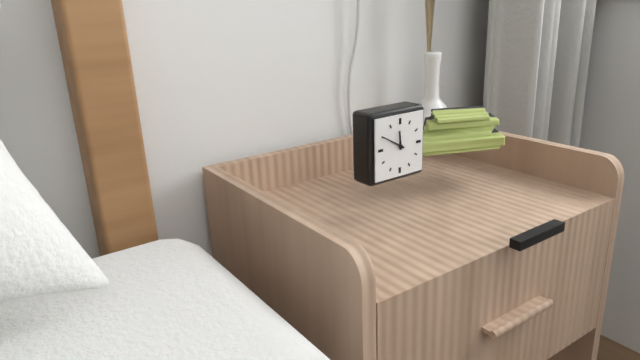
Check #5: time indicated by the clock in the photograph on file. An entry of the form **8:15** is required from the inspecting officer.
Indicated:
**11:50**
